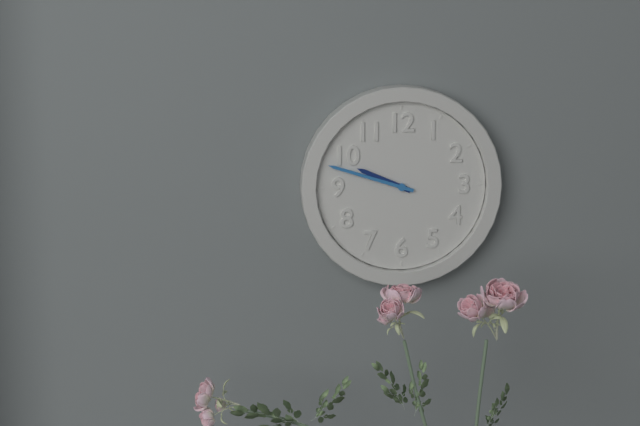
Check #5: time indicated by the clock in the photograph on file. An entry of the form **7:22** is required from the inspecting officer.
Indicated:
**9:48**
